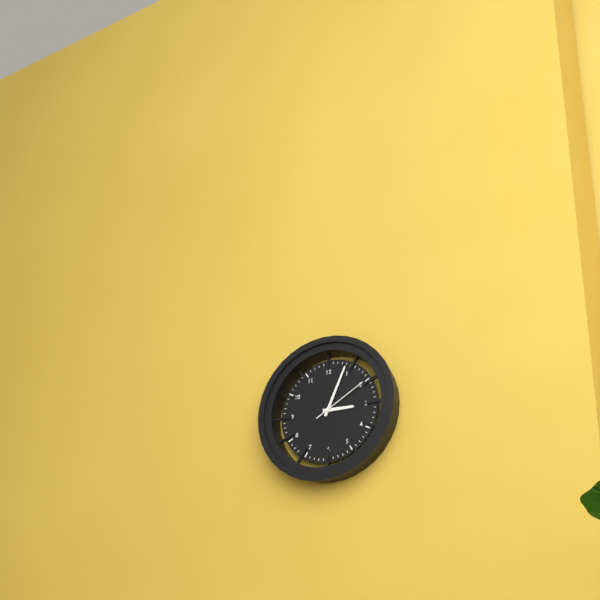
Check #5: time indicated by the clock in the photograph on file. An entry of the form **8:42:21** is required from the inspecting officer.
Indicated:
**3:04:10**
